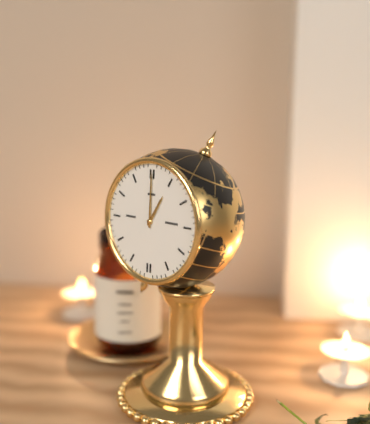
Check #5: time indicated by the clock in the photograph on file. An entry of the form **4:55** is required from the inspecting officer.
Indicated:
**1:00**
